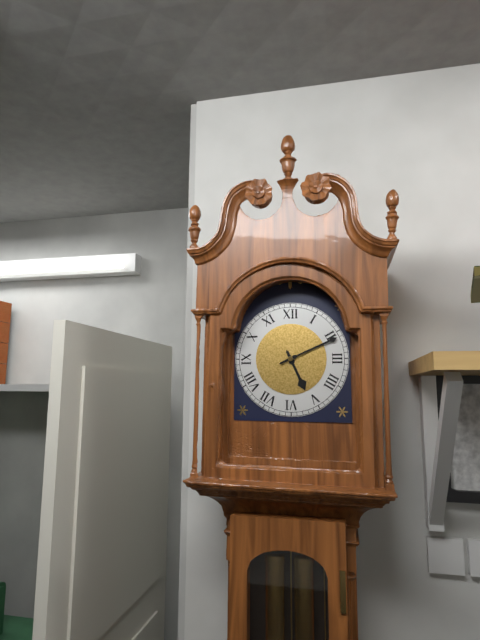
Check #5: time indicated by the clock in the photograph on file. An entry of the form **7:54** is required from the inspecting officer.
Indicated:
**5:11**
